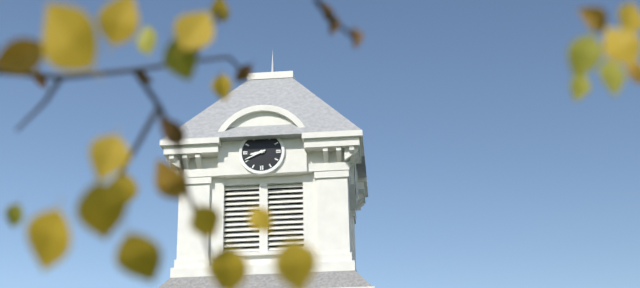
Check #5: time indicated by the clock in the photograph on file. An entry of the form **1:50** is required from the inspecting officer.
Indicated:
**8:41**
